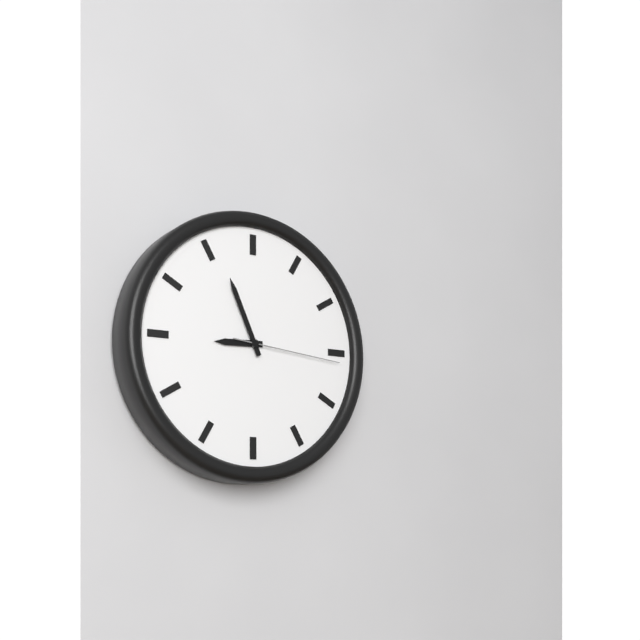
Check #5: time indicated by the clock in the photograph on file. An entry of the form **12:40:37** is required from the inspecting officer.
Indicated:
**8:56:16**
